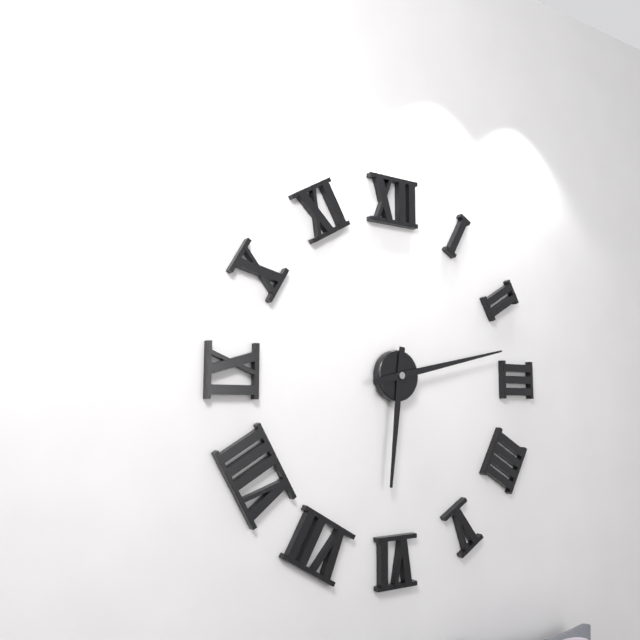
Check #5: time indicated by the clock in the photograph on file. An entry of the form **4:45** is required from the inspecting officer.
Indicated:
**6:13**
